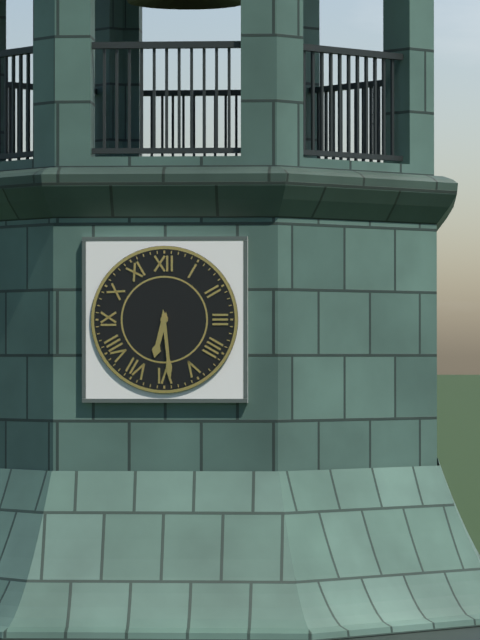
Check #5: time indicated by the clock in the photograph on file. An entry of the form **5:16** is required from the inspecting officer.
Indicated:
**6:29**
